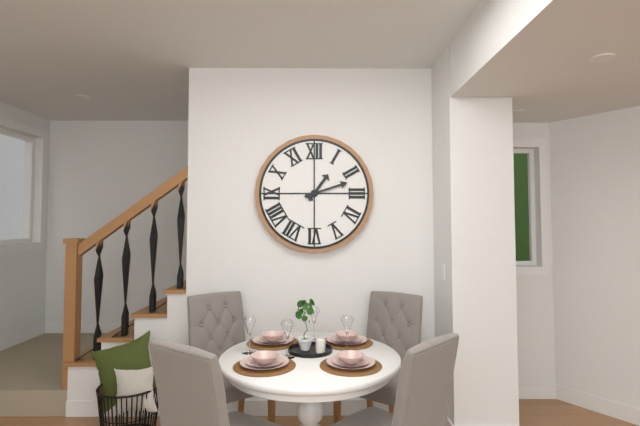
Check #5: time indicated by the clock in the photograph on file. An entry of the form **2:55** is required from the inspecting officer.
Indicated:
**1:12**
